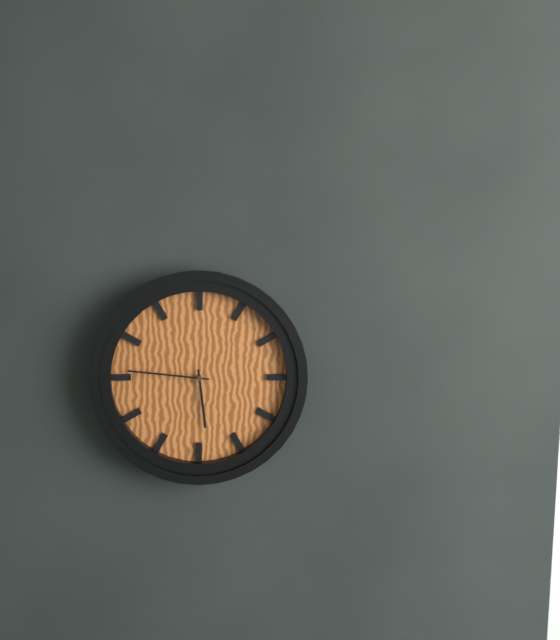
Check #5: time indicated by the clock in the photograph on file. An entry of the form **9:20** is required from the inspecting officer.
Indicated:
**5:46**
